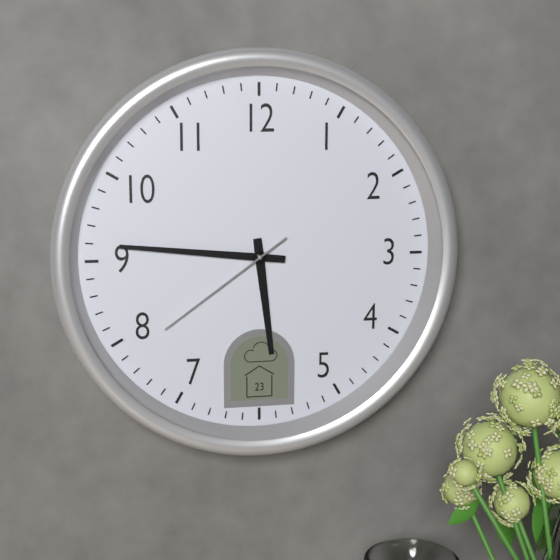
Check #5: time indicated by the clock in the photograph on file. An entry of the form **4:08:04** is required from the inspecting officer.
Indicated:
**5:46:39**
